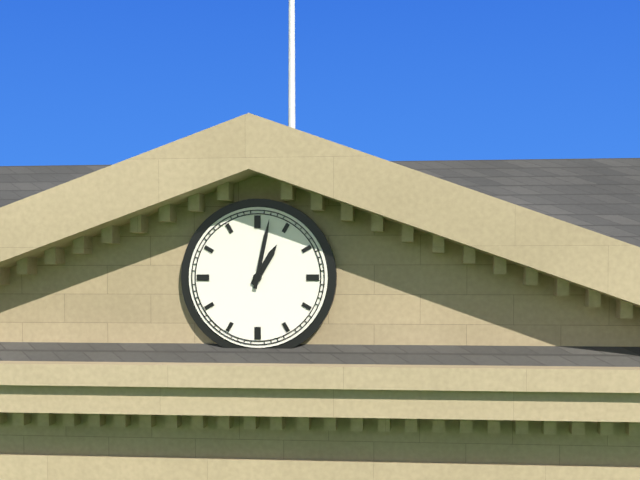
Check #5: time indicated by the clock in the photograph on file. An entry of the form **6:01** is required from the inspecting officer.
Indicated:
**1:02**
